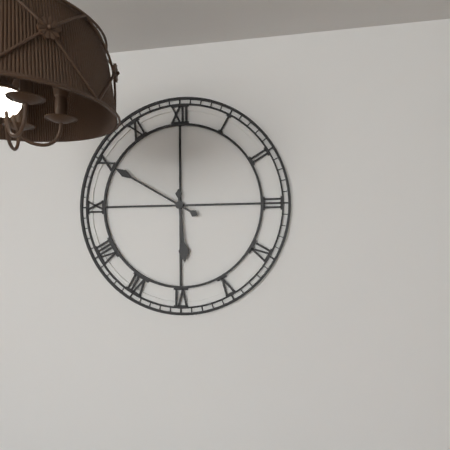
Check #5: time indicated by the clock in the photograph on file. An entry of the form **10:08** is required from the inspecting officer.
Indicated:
**5:50**
